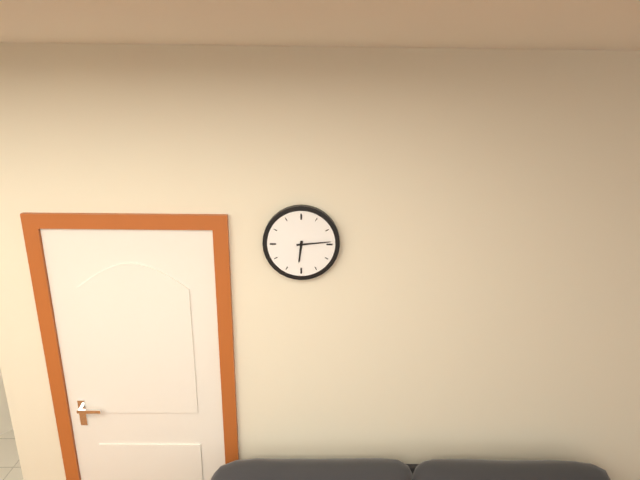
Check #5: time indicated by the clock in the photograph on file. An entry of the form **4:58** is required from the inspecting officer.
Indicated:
**6:14**
